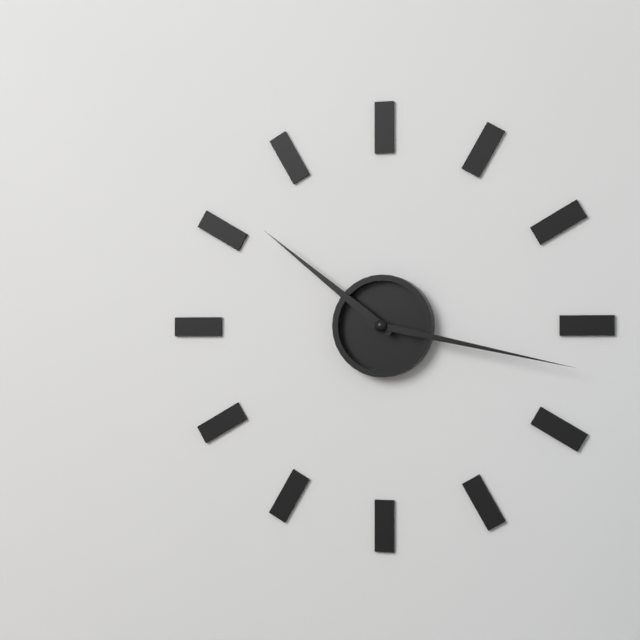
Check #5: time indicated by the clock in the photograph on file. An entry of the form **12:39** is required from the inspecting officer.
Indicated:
**10:17**
